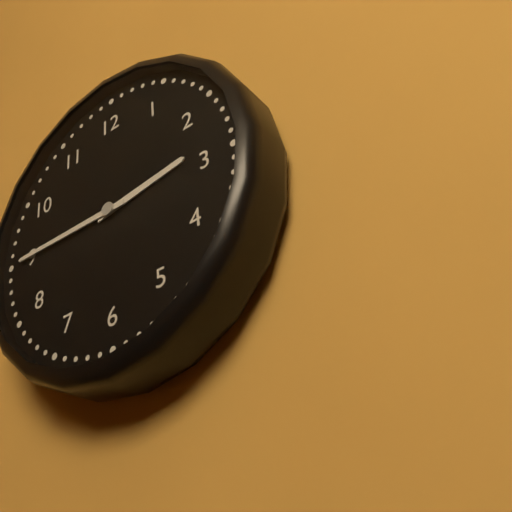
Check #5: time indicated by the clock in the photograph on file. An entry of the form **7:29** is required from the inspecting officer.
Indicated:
**2:45**
